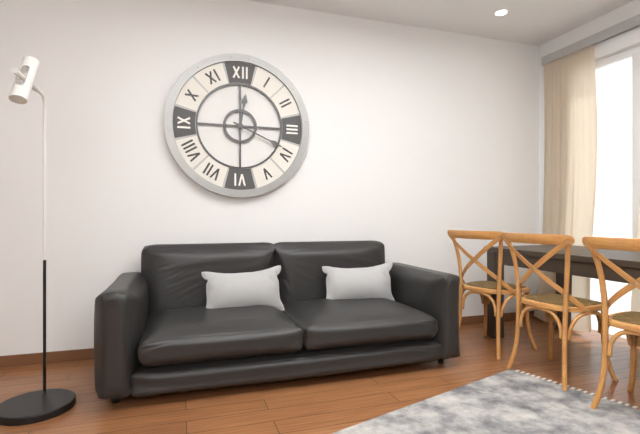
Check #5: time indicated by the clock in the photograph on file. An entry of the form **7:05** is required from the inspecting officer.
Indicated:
**12:19**
